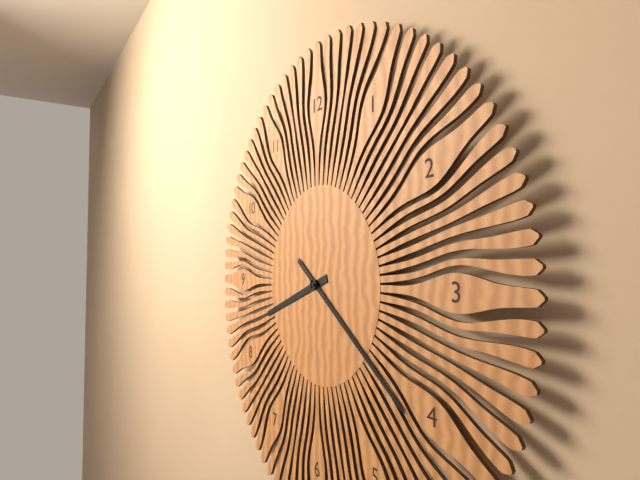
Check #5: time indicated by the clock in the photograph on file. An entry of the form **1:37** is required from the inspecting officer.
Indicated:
**8:21**
